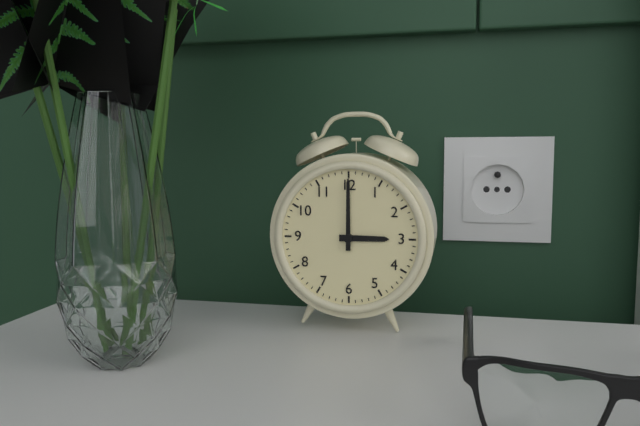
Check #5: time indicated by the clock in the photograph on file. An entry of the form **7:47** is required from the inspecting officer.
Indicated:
**3:00**
